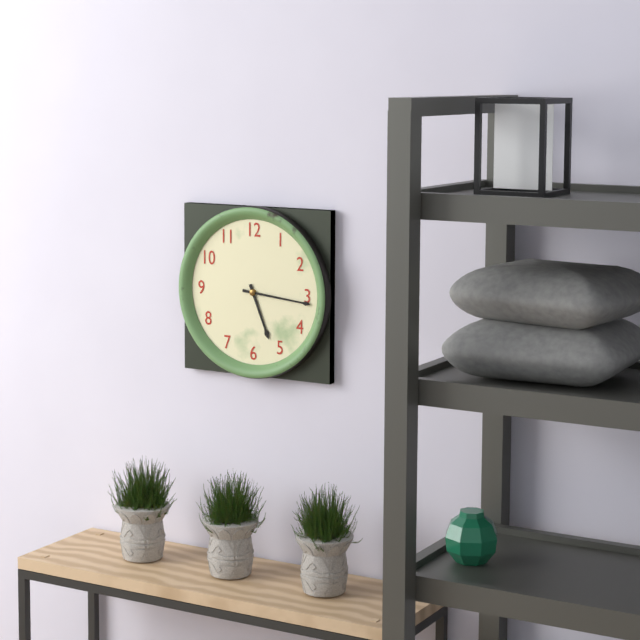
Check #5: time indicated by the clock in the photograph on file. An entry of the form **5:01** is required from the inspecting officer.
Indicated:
**5:16**
